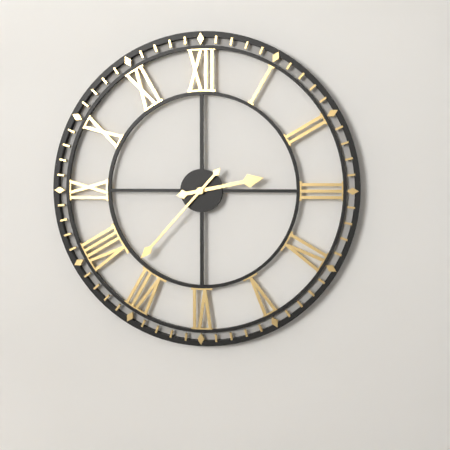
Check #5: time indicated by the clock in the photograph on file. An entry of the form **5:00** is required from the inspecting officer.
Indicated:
**2:37**
